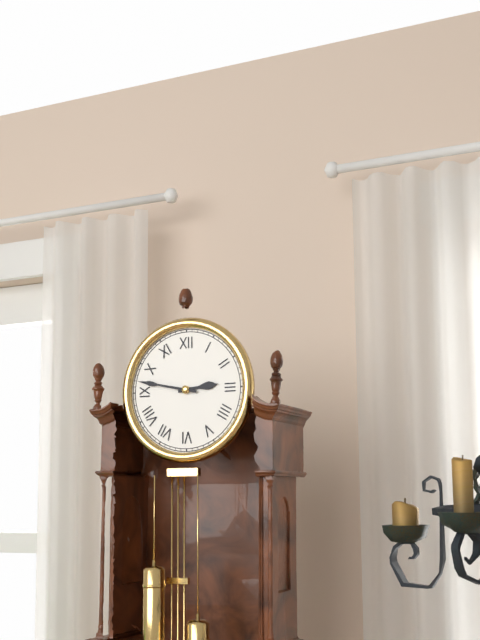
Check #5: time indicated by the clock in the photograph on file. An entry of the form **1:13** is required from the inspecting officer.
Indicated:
**2:47**
